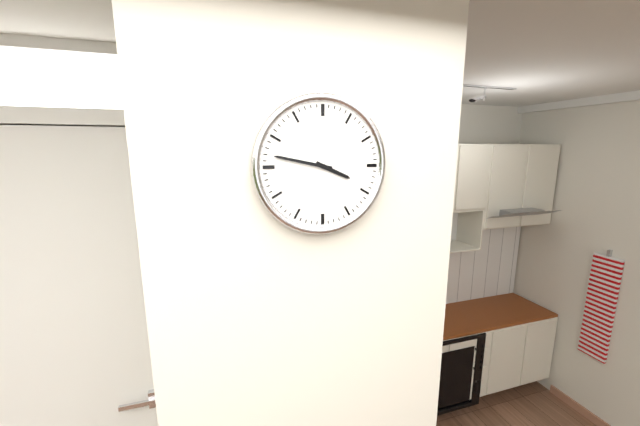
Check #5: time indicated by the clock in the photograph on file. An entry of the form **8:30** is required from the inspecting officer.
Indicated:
**3:47**
